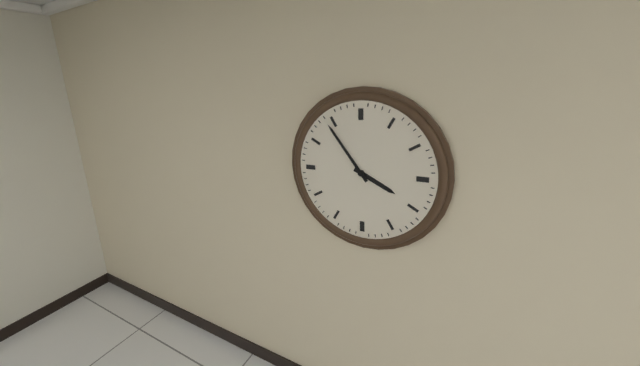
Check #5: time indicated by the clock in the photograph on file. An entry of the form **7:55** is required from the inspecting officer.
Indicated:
**3:54**
